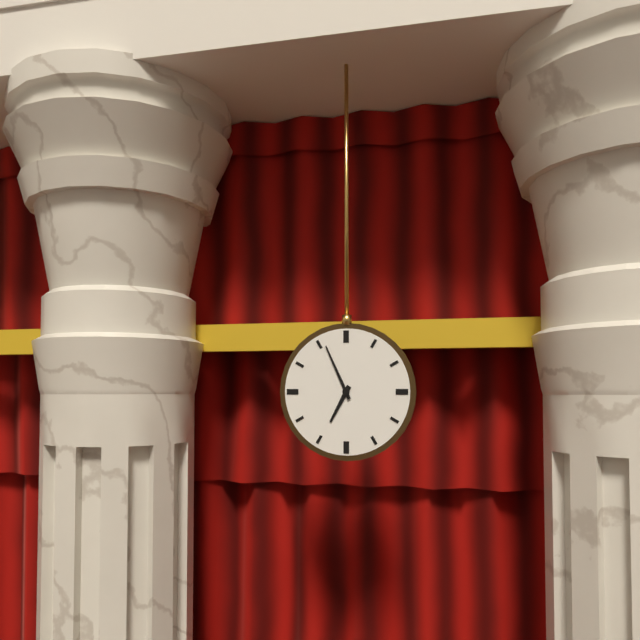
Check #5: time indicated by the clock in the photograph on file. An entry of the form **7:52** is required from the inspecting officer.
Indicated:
**6:56**
